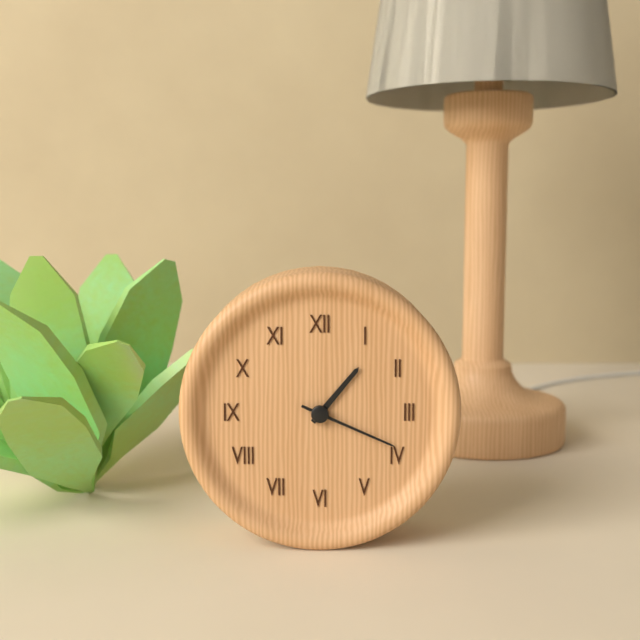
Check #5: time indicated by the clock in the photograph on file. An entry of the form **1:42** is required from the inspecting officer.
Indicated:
**1:19**
